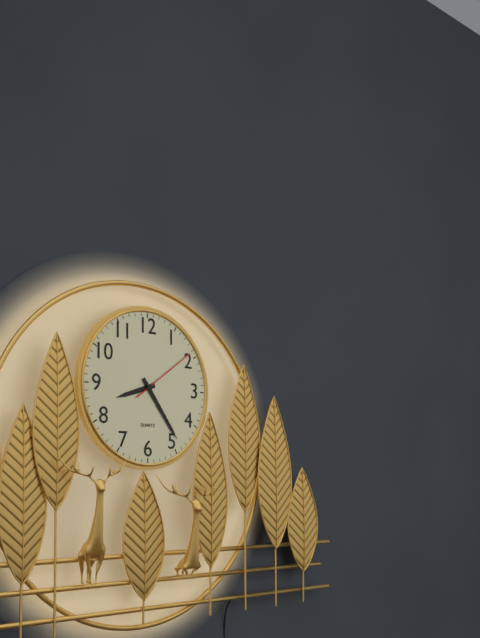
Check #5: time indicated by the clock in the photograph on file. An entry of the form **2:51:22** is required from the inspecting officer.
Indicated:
**8:24:09**
